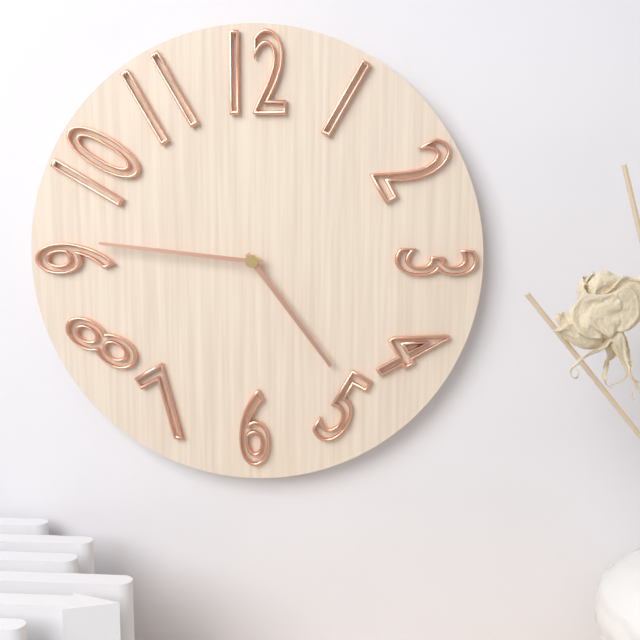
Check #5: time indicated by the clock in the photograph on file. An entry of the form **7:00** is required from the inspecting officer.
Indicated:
**4:46**
